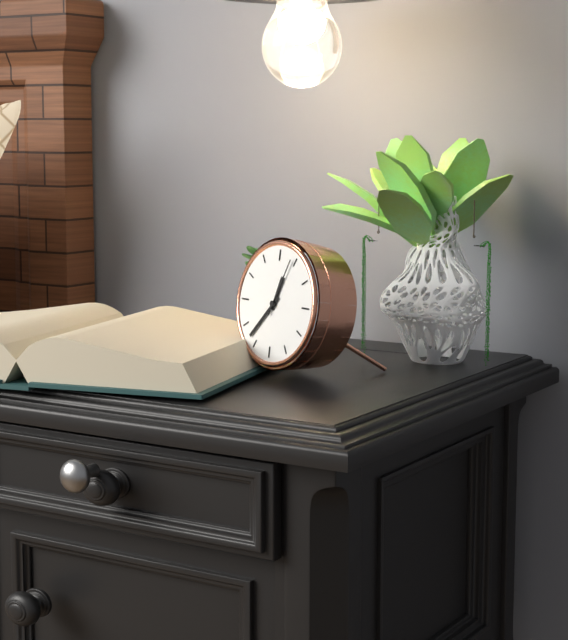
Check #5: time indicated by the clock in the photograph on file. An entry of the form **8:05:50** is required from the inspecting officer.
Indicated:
**12:37:04**
